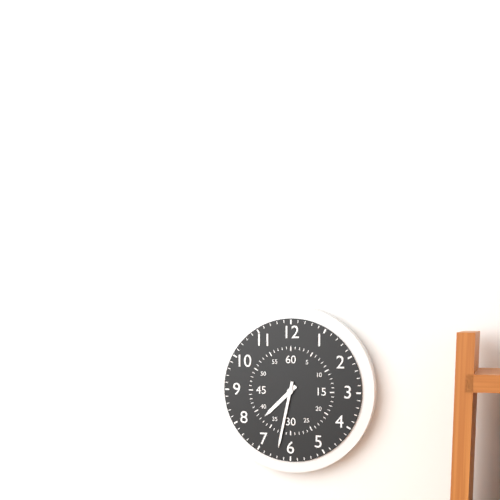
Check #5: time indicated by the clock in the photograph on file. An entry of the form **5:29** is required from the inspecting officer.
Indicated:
**7:32**
